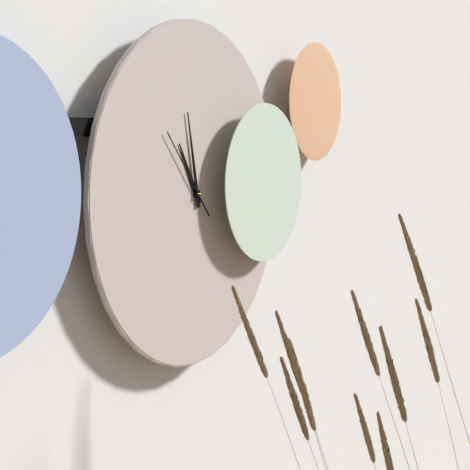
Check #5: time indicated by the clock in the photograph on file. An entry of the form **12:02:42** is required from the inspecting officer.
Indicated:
**10:58:53**
